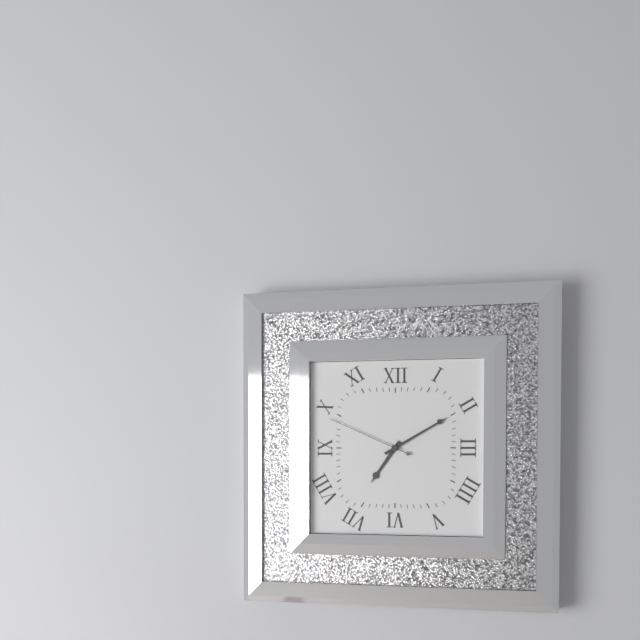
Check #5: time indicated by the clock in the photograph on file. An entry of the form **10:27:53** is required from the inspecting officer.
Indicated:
**7:10:49**
